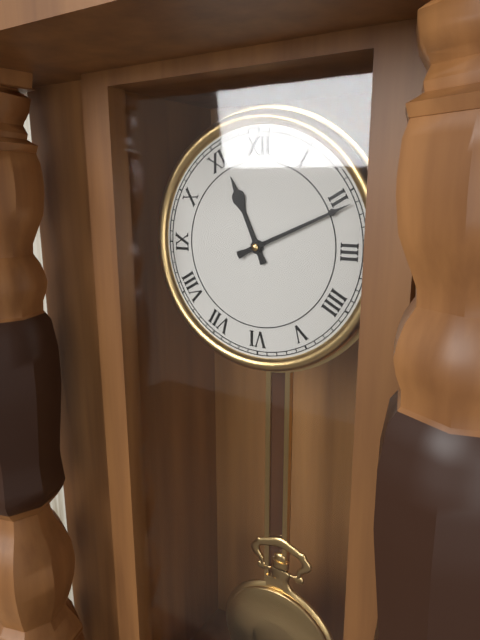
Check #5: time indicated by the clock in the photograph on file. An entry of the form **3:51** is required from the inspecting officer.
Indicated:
**11:11**
